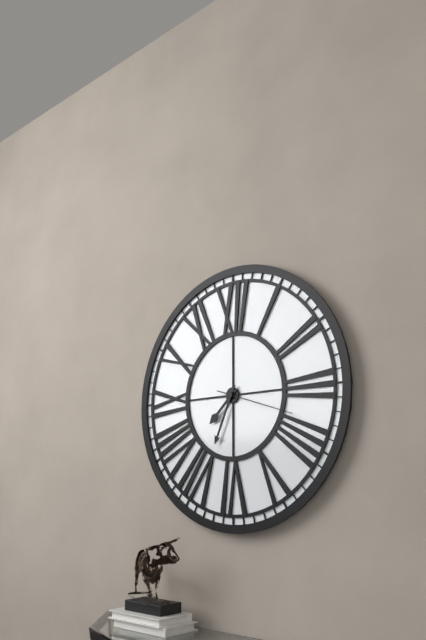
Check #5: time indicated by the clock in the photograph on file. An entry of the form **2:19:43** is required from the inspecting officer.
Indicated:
**7:34:18**
